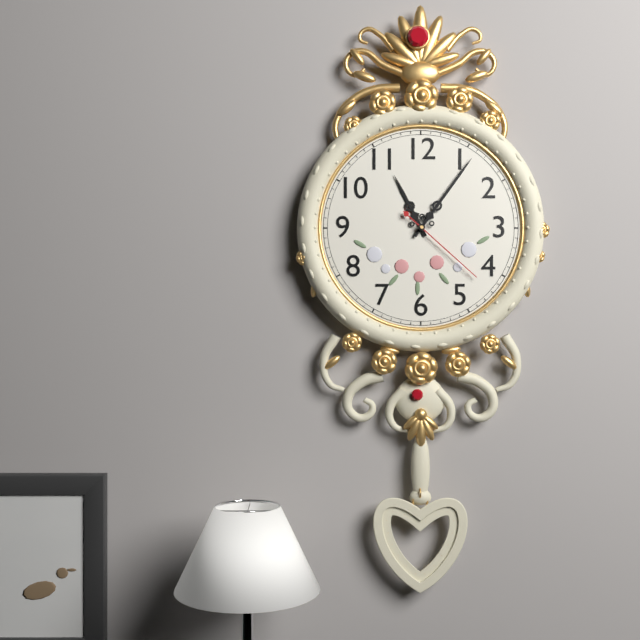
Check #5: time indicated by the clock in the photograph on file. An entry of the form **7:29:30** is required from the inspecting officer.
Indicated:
**11:06:22**
